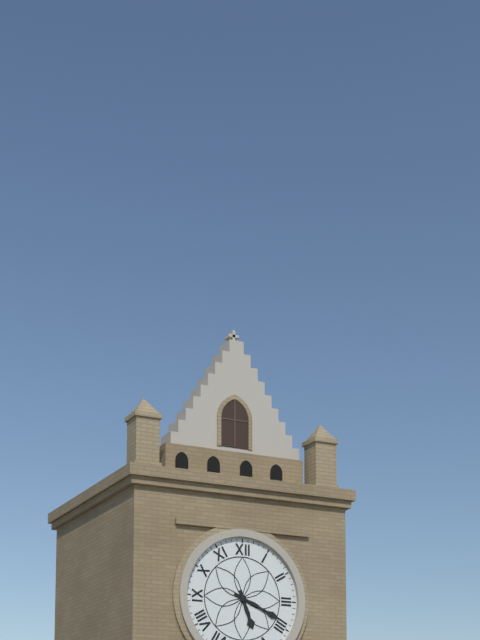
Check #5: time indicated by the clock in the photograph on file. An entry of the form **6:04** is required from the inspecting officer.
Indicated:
**5:19**
